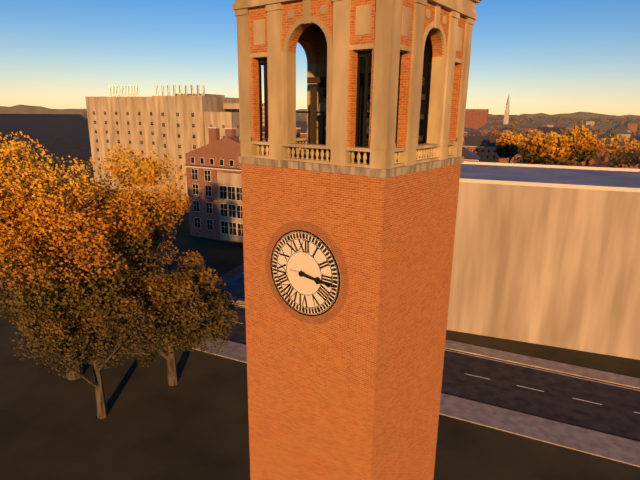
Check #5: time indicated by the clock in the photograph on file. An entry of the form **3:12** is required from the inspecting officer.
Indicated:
**3:16**
